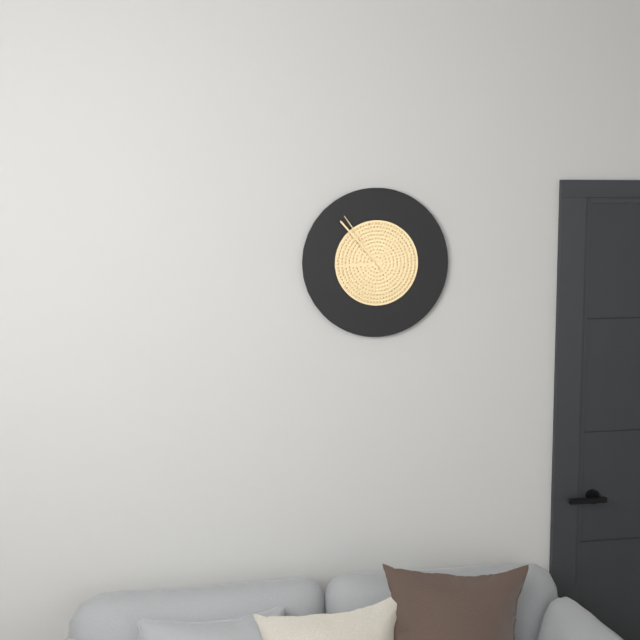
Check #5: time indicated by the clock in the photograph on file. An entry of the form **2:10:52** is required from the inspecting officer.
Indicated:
**8:53:54**
